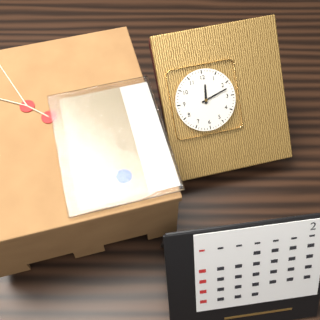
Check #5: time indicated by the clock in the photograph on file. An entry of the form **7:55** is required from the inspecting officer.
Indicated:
**12:12**
